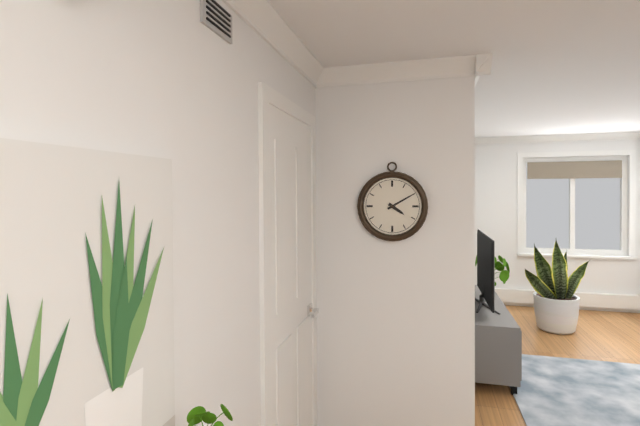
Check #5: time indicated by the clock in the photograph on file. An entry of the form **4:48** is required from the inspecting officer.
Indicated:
**4:10**
